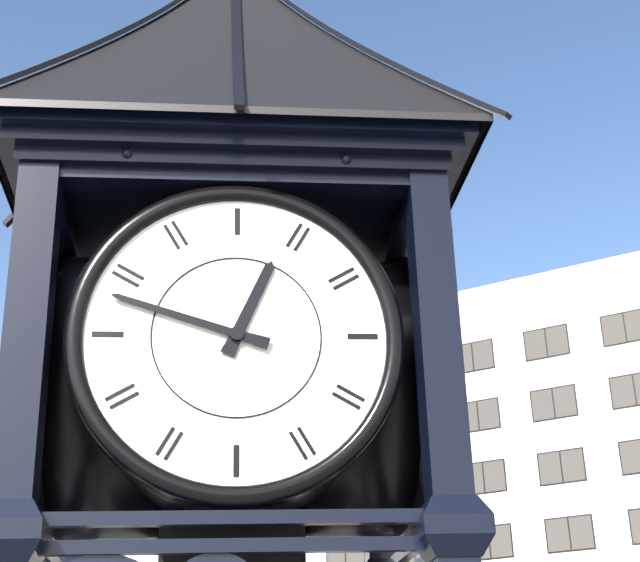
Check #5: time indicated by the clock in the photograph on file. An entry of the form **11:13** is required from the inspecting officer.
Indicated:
**12:48**
